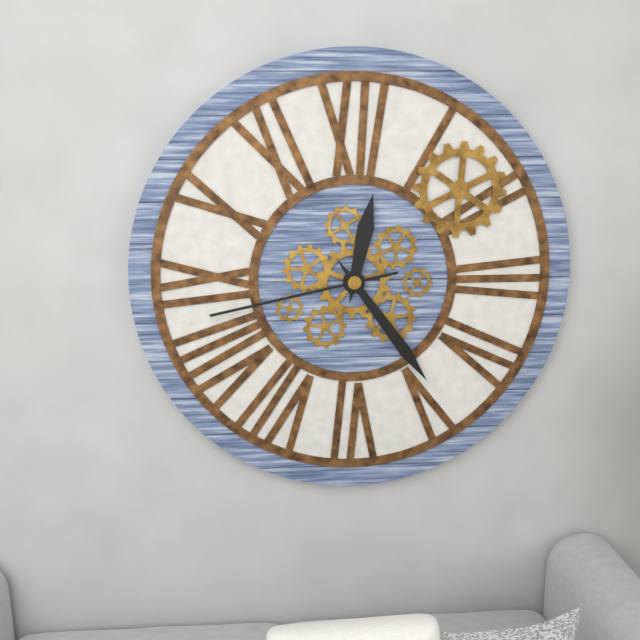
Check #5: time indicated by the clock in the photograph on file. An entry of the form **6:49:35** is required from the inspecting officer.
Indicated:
**12:24:43**
